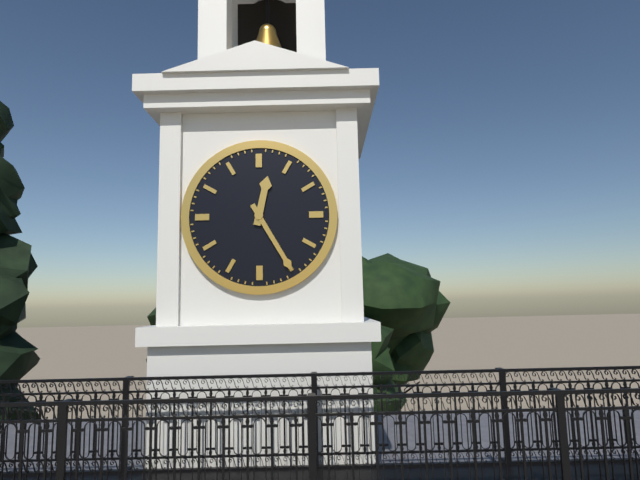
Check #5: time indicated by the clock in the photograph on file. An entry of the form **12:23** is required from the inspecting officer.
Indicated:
**12:25**
